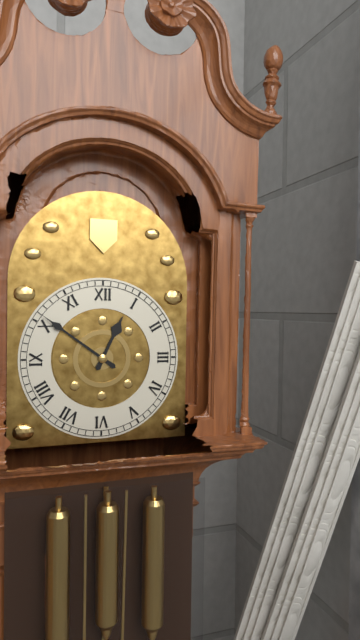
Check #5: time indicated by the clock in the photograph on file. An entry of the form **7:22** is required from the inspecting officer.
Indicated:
**12:51**
